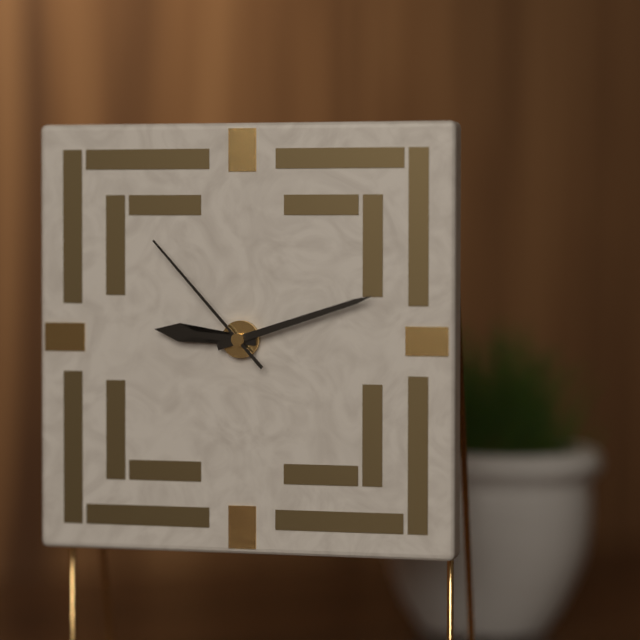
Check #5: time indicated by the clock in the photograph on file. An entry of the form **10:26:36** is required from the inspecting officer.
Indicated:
**9:12:53**
